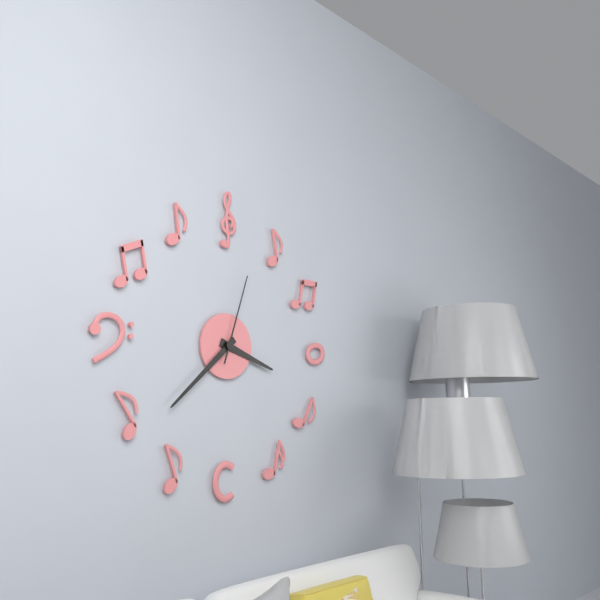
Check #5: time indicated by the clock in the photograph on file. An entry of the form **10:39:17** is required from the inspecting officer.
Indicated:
**3:38:03**
